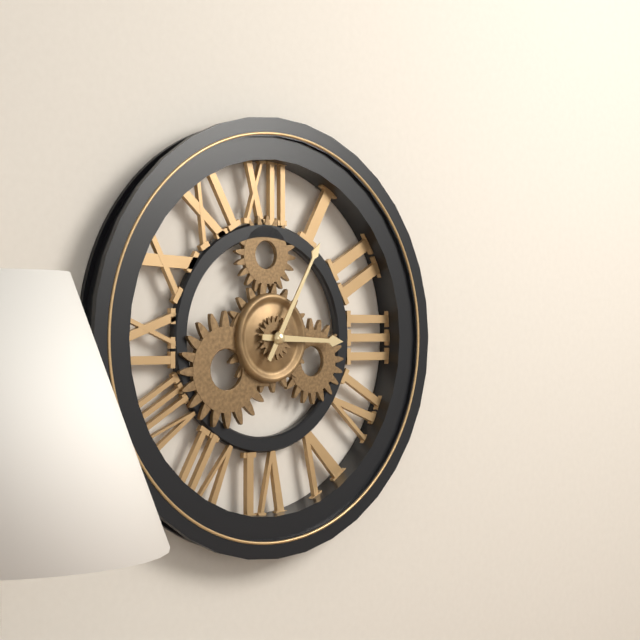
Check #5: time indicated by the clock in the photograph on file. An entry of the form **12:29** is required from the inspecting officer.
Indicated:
**3:05**
